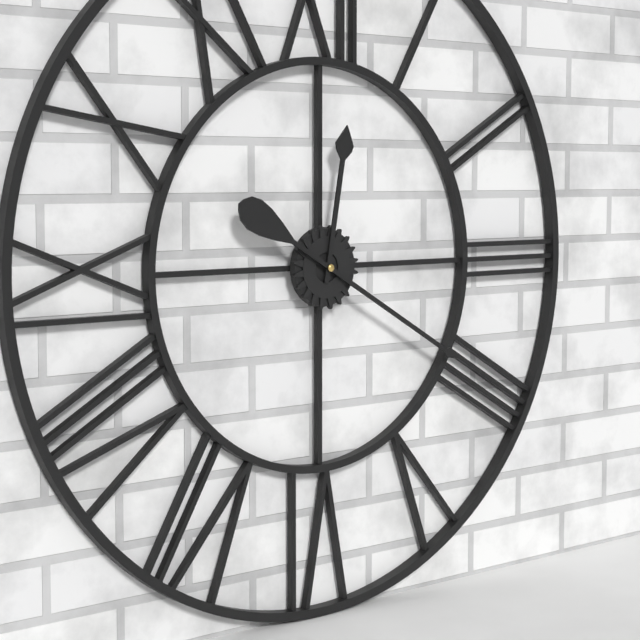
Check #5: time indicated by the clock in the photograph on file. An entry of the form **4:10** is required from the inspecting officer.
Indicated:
**12:20**
